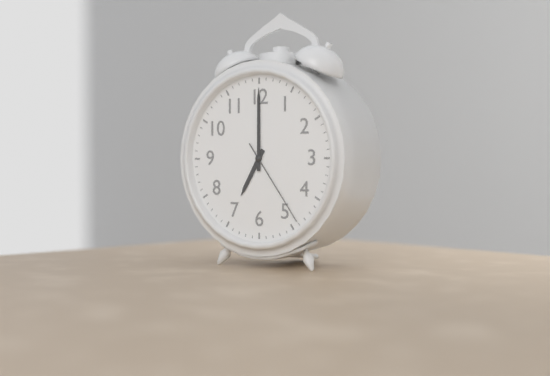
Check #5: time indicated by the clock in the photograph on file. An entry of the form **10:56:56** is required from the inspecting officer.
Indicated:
**7:00:24**
